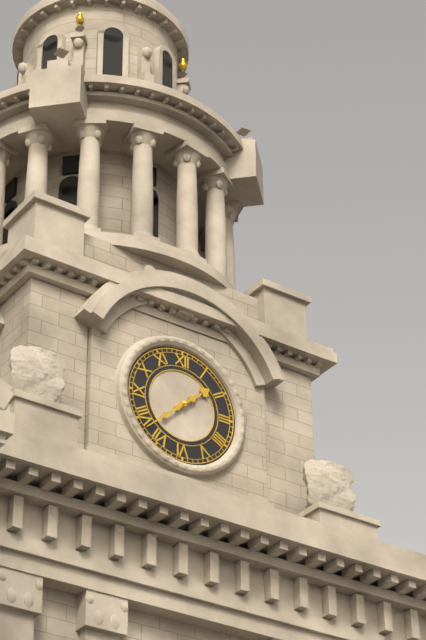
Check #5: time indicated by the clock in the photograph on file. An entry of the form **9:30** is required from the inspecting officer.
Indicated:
**1:38**
